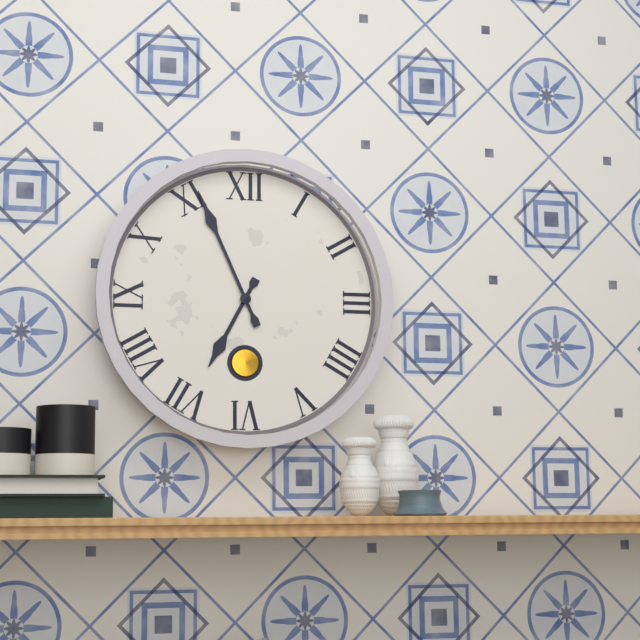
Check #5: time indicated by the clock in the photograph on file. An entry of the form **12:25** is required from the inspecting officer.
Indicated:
**6:56**
